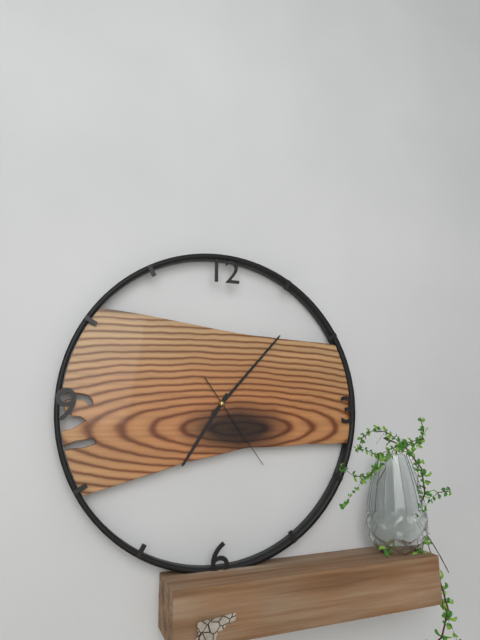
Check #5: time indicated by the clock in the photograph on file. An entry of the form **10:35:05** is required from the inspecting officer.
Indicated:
**7:07:24**
